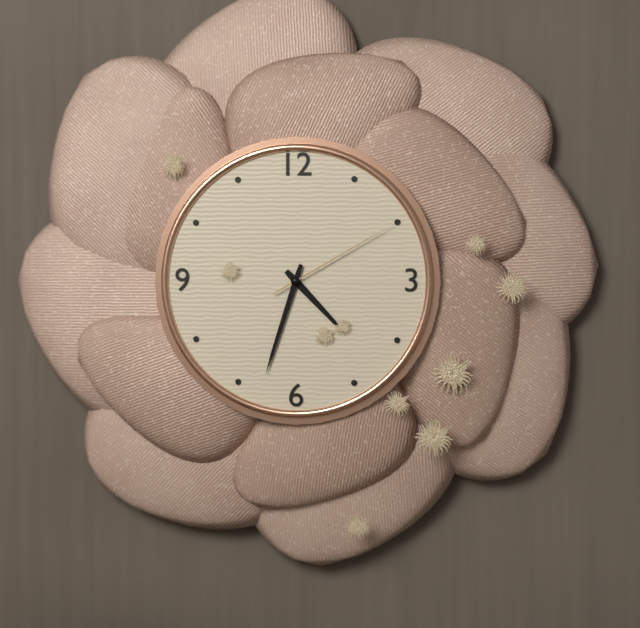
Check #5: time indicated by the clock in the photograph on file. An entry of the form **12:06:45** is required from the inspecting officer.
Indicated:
**4:33:10**
